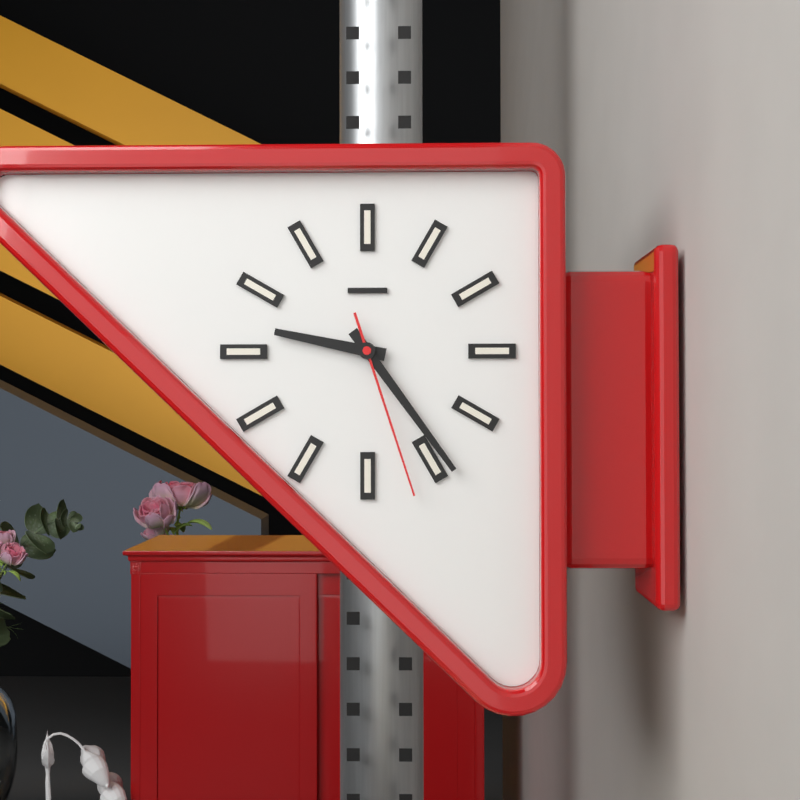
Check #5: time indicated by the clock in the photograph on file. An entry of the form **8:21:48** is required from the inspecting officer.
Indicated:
**9:24:27**
